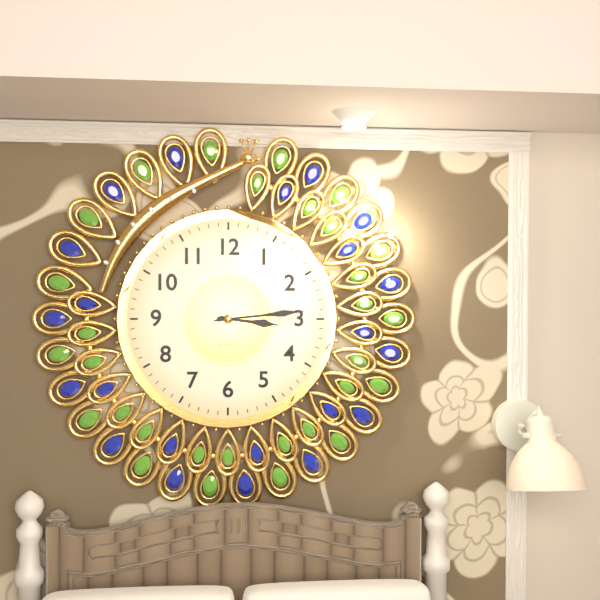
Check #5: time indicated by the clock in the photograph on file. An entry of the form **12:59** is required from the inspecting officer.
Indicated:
**3:14**
